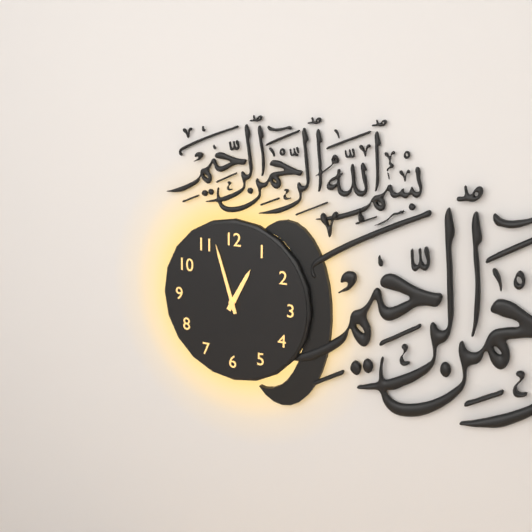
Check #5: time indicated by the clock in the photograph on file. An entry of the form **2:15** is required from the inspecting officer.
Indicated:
**12:57**
